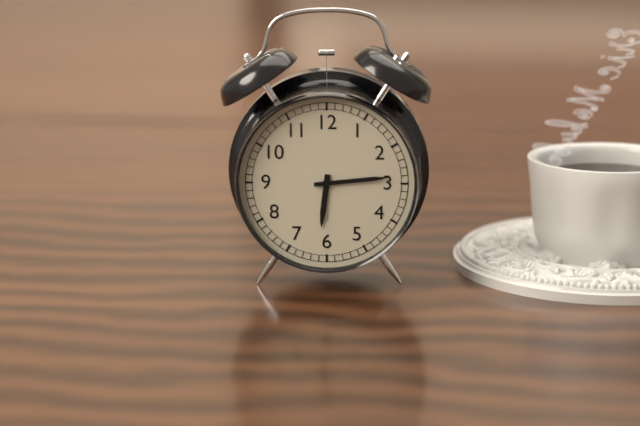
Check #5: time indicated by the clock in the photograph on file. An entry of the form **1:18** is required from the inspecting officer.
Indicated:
**6:14**
